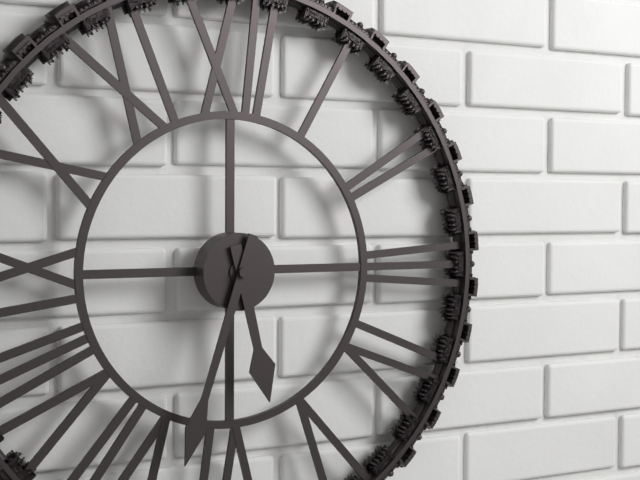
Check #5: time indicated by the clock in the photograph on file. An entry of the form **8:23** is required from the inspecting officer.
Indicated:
**5:33**
